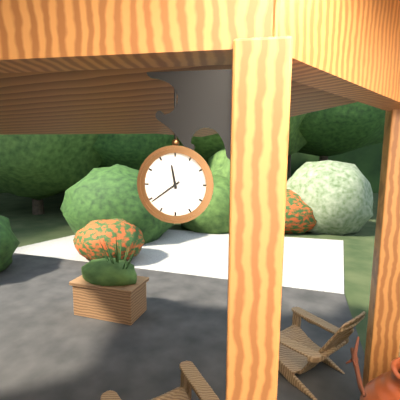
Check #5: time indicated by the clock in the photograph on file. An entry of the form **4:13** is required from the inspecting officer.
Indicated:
**11:39**
